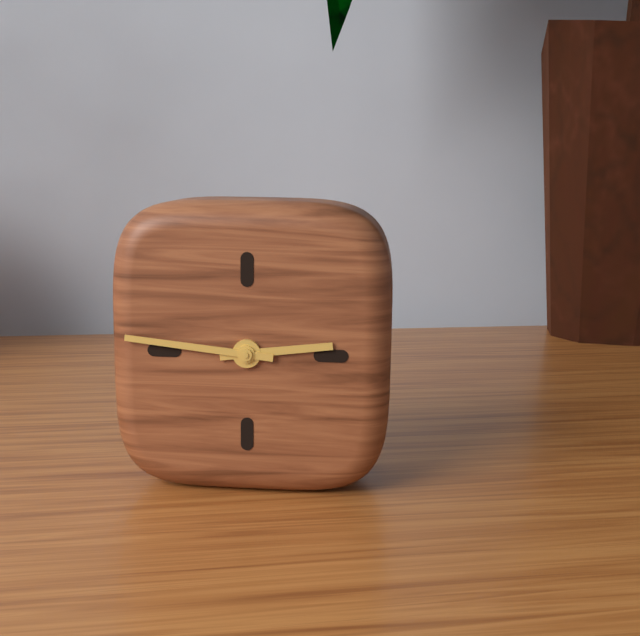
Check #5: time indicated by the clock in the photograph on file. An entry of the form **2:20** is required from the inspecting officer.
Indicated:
**2:46**
